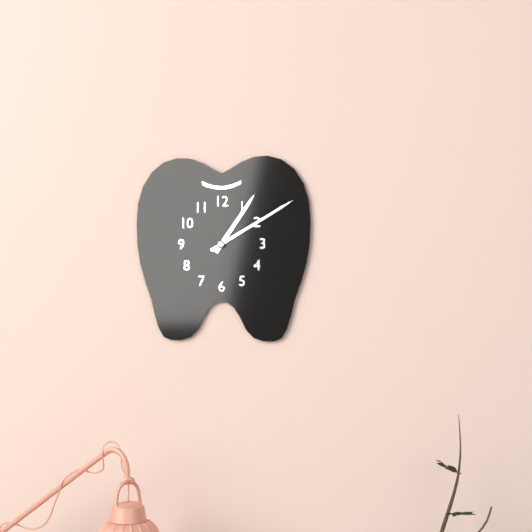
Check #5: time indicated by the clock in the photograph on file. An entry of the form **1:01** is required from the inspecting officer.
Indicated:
**1:10**
